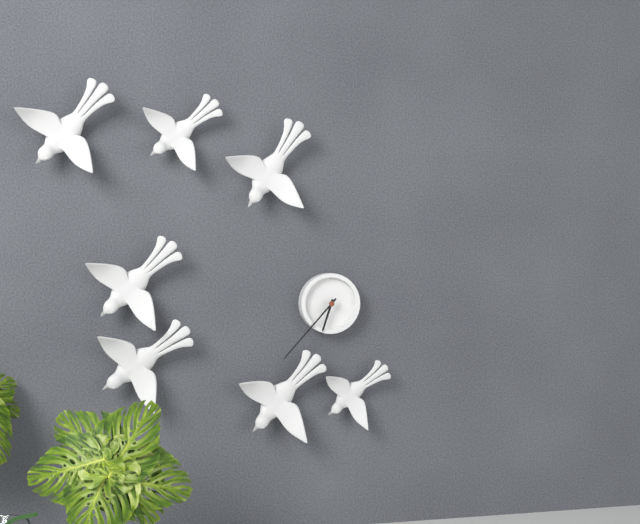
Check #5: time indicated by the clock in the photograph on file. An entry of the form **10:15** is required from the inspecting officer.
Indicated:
**6:37**
